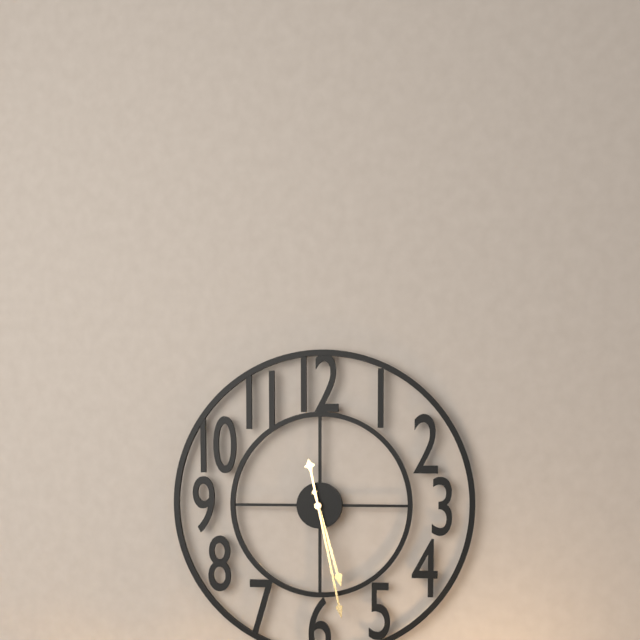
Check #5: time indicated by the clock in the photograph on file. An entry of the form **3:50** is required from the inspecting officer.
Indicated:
**5:28**
